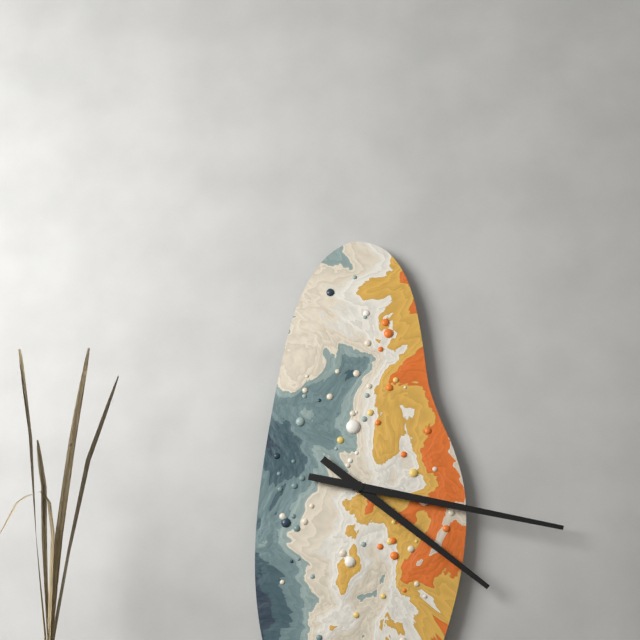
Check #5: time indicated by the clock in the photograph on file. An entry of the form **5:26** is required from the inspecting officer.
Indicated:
**4:17**
